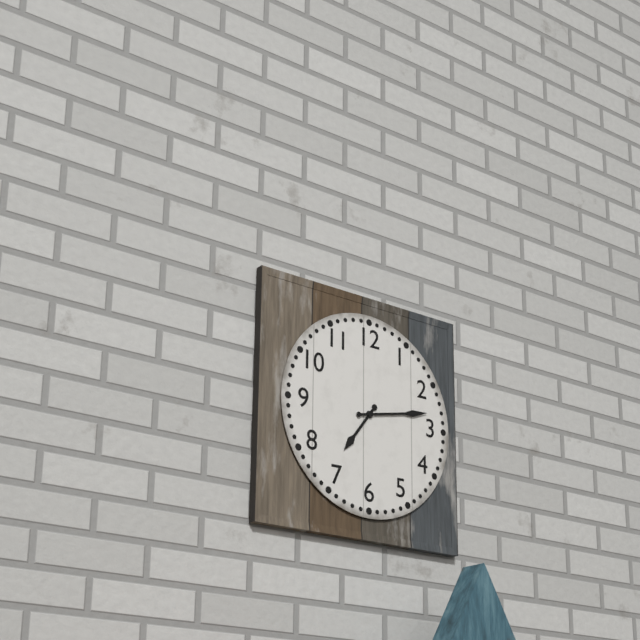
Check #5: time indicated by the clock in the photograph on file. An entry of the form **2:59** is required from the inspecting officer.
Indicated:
**7:13**
